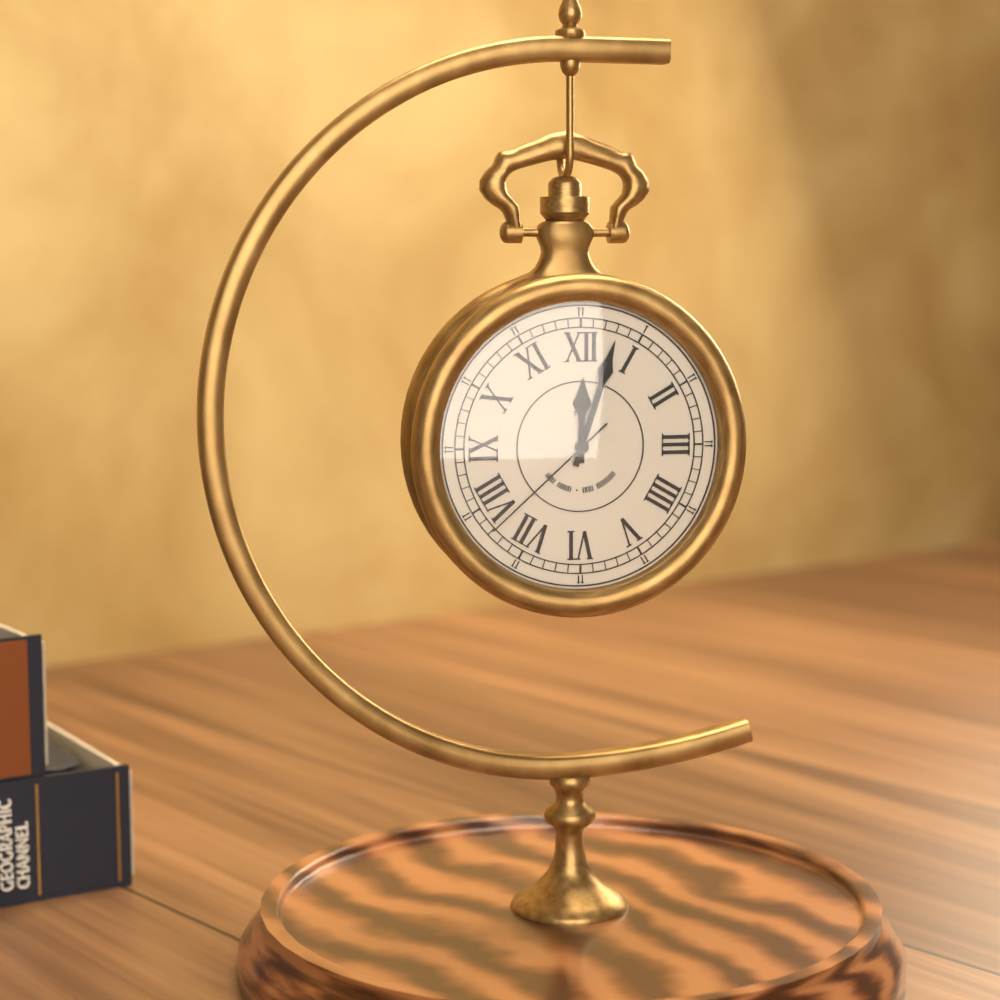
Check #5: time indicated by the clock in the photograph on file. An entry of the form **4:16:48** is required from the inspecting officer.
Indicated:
**12:03:38**
